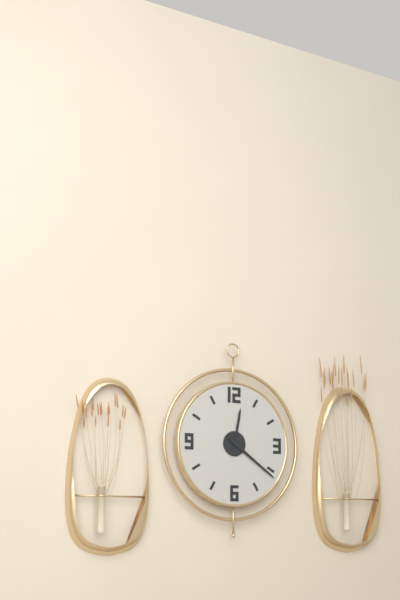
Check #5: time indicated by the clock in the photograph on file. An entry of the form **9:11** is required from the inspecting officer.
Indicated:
**12:21**
